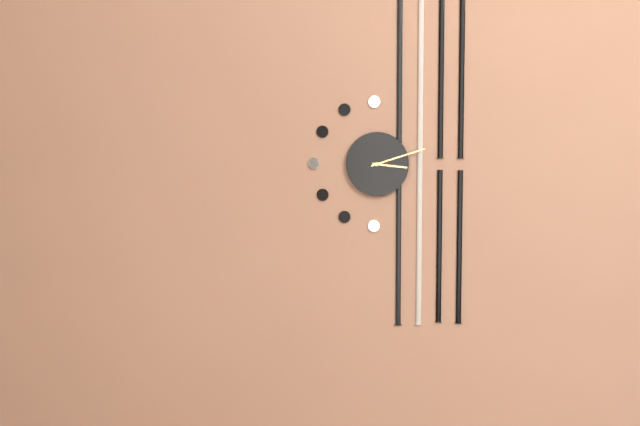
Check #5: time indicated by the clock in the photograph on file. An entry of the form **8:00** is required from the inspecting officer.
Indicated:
**3:12**
